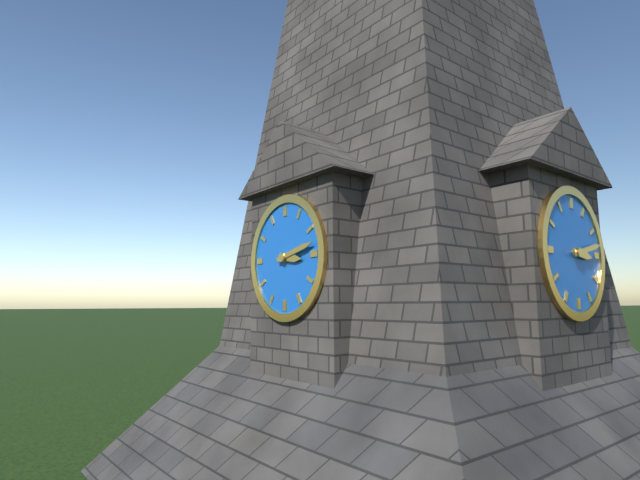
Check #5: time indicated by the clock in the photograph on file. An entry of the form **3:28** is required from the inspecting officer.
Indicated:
**3:13**
